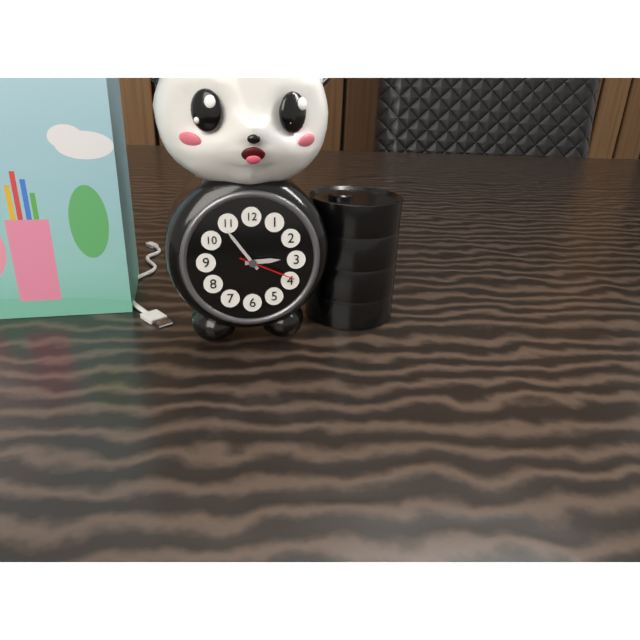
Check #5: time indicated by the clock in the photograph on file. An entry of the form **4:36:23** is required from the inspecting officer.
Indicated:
**2:54:19**
